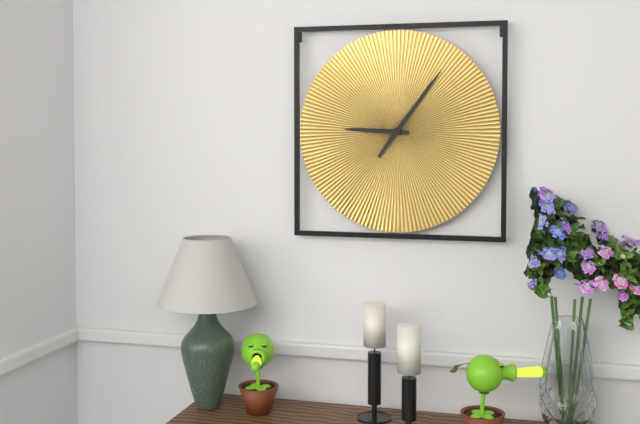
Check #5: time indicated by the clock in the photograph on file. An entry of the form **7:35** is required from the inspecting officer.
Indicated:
**9:06**
